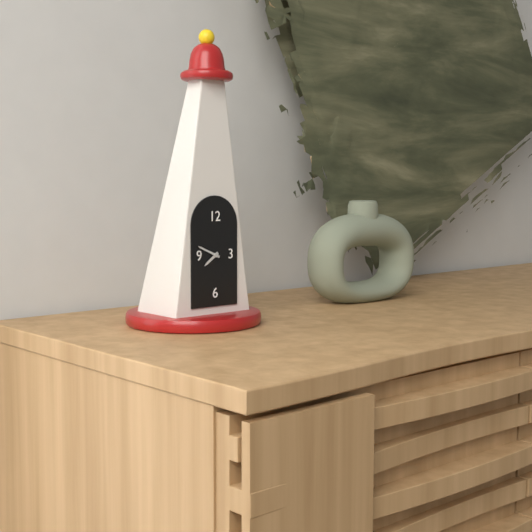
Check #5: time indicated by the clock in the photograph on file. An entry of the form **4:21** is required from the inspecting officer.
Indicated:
**7:49**
